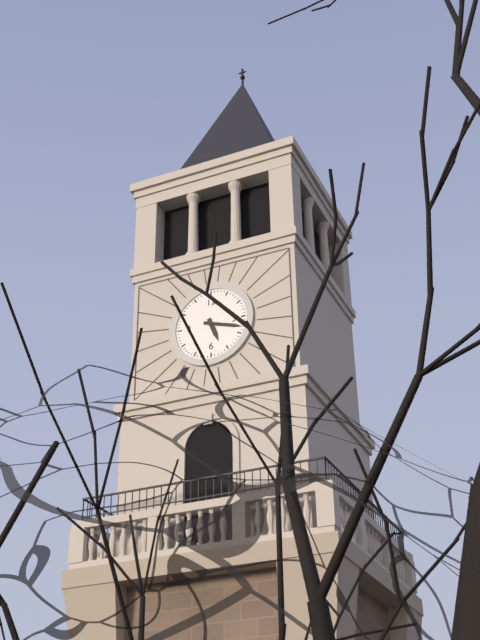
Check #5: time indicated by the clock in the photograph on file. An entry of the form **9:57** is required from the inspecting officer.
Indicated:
**5:18**
